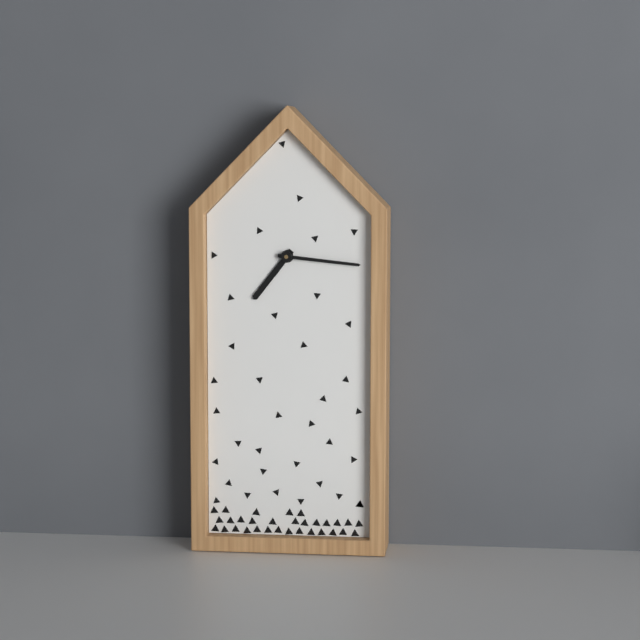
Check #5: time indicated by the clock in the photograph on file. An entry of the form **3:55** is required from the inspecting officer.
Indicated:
**7:16**
